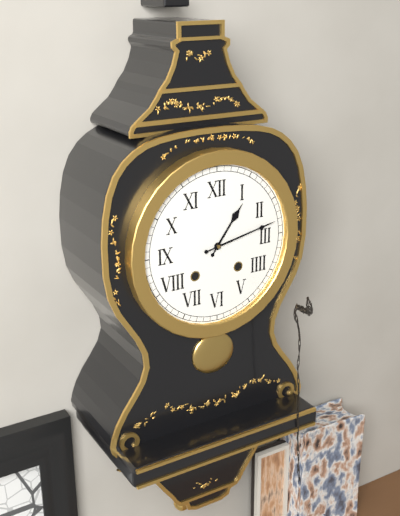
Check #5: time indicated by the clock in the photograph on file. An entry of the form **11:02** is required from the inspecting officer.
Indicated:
**1:13**
